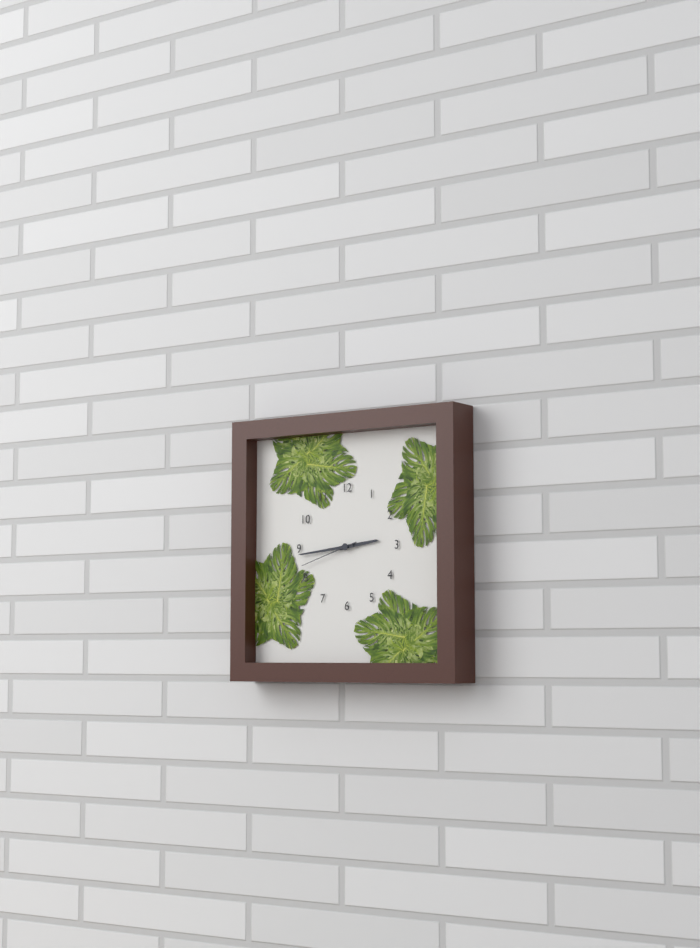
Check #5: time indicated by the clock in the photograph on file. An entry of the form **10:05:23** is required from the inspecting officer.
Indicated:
**2:44:42**
